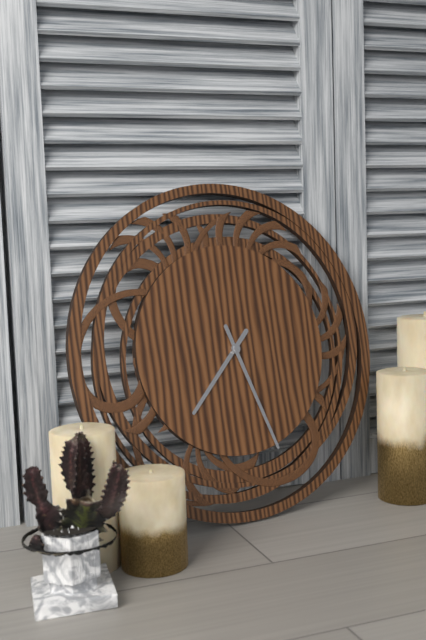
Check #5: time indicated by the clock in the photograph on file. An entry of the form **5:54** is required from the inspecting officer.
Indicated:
**7:27**
